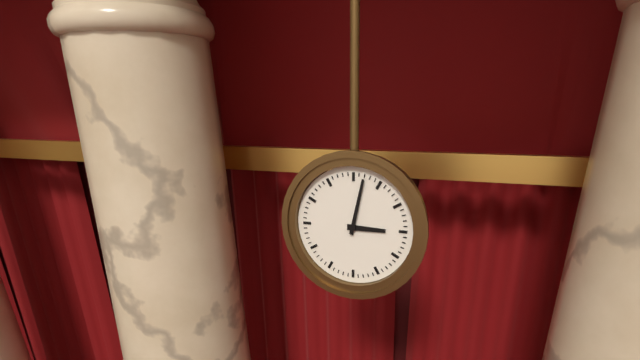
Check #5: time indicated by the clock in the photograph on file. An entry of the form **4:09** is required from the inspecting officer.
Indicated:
**3:02**
